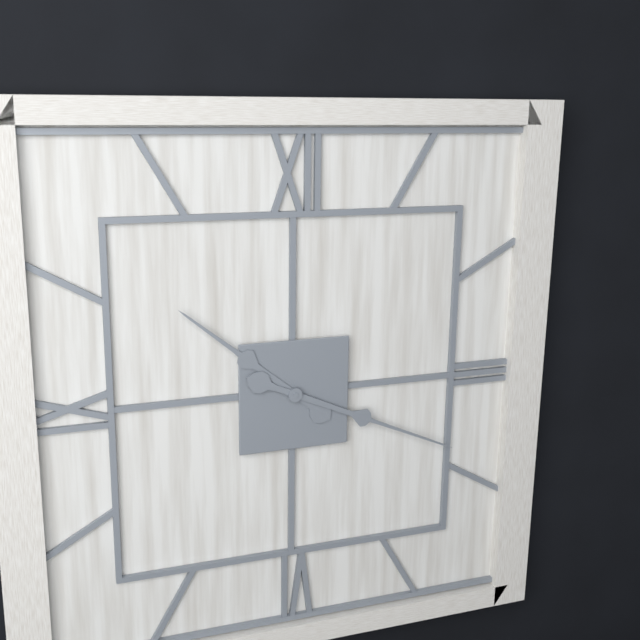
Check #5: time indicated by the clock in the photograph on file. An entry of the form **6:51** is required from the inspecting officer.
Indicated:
**10:19**
